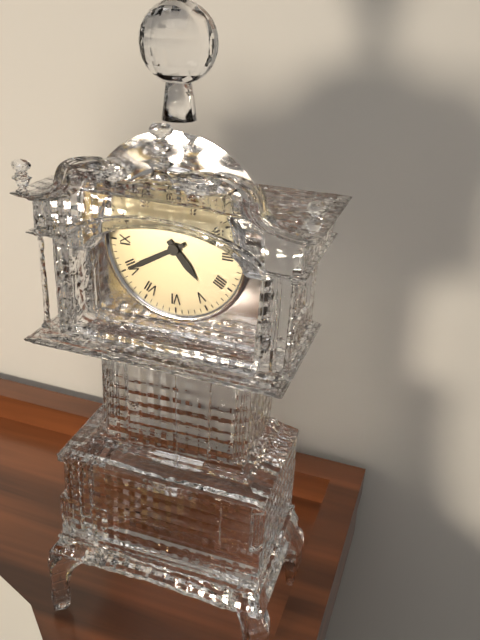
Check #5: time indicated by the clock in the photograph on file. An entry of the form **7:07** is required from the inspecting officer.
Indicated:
**4:40**
